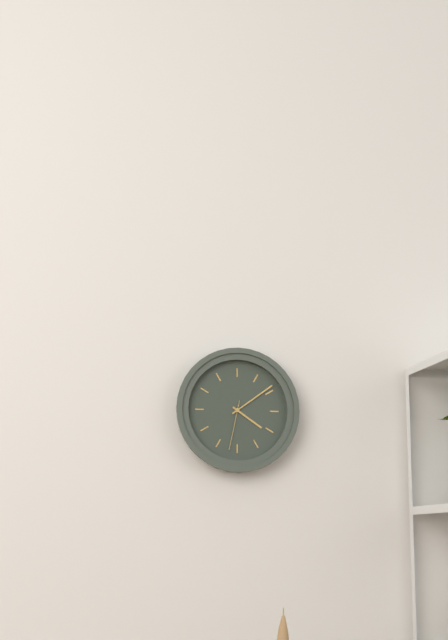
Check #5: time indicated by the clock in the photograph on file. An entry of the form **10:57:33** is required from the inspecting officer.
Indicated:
**4:09:32**
